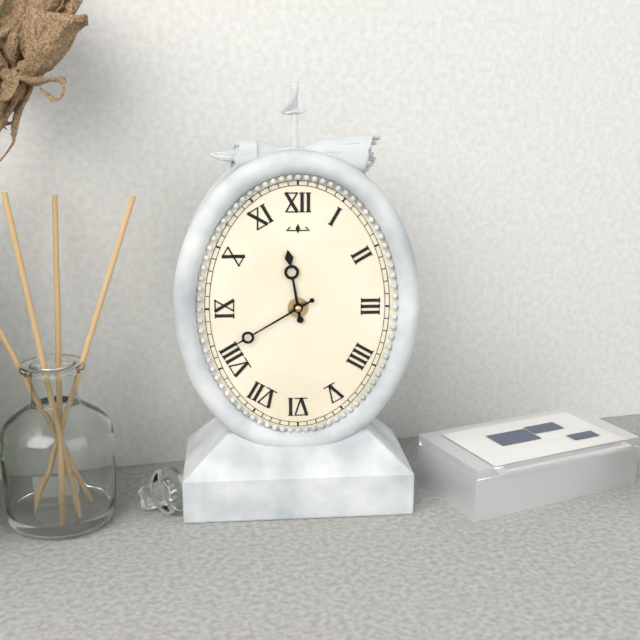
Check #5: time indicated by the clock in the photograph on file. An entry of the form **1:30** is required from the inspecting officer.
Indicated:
**11:40**
